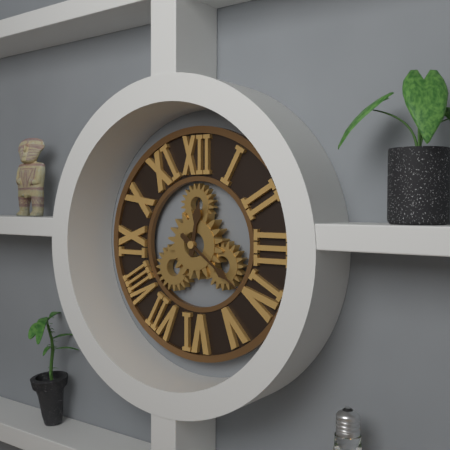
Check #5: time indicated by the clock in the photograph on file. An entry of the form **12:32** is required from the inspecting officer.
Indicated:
**12:21**
